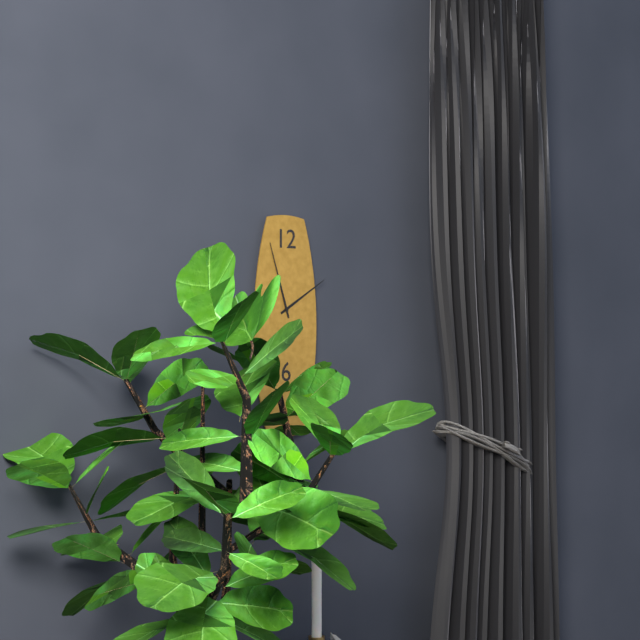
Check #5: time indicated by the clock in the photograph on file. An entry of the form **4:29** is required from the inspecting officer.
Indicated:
**1:57**
